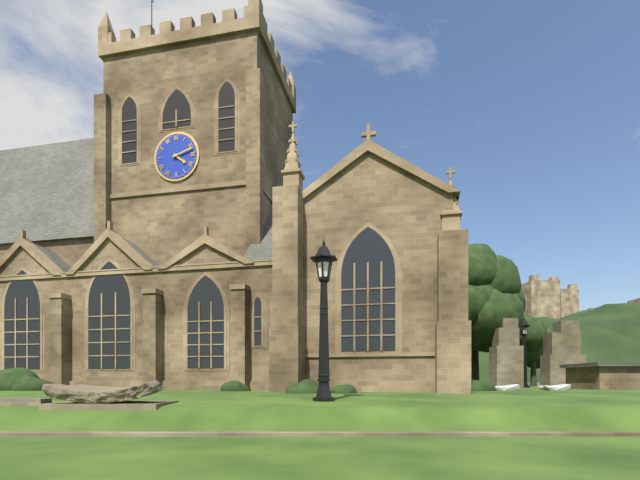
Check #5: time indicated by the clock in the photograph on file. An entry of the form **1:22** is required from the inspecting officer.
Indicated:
**4:12**
